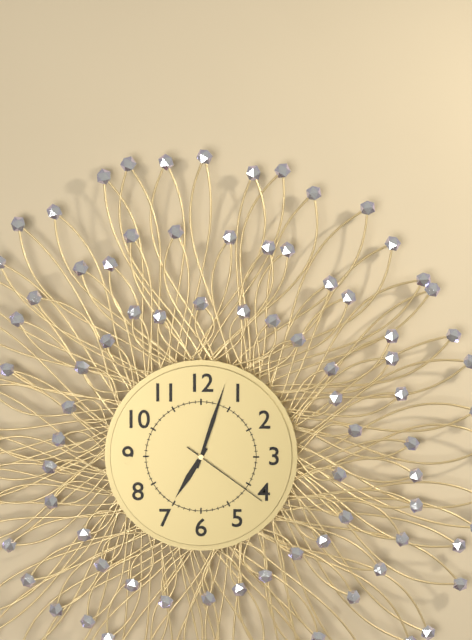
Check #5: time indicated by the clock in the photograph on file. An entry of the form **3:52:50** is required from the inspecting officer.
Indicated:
**7:03:21**
